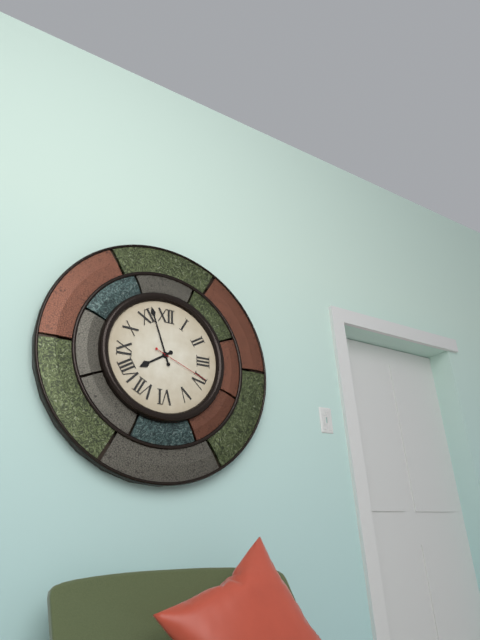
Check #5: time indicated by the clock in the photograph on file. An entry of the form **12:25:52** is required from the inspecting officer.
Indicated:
**7:57:19**
